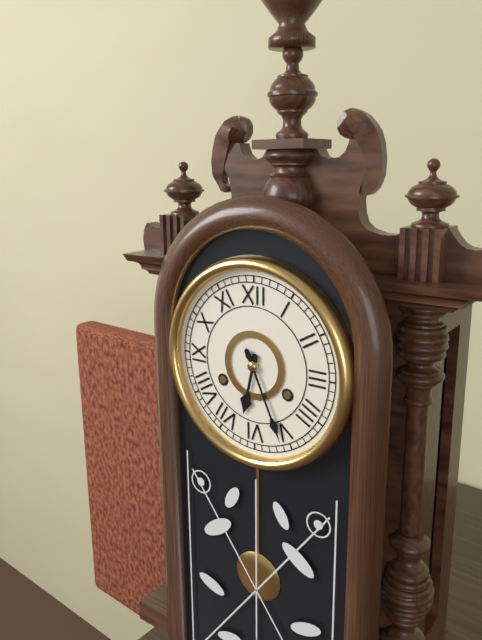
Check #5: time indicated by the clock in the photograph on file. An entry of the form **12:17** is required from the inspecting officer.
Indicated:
**6:26**
